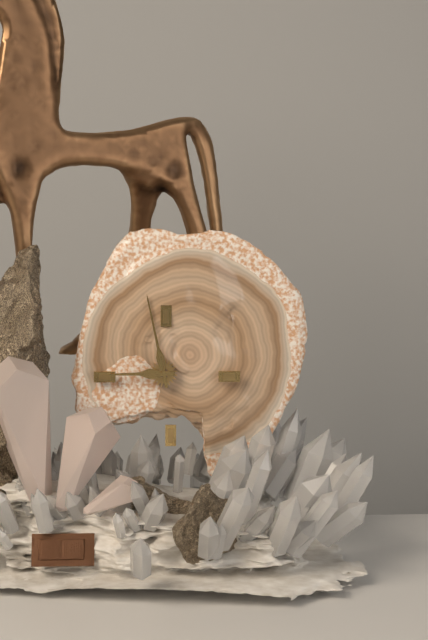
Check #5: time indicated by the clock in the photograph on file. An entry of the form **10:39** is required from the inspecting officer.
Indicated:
**8:58**
